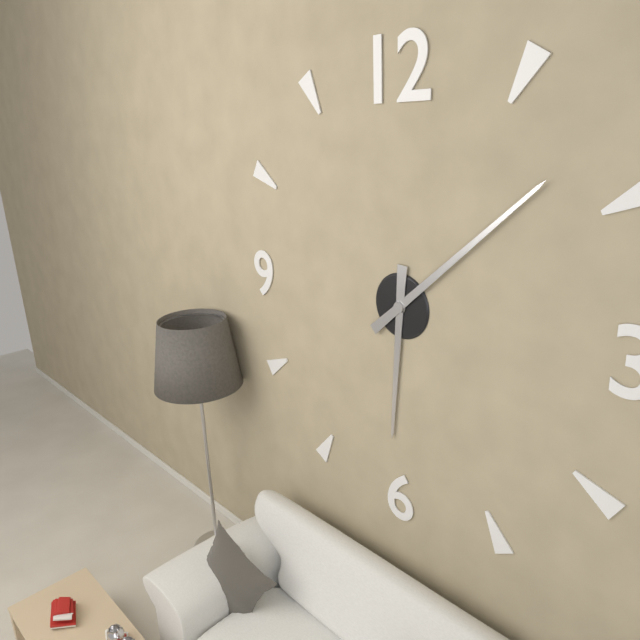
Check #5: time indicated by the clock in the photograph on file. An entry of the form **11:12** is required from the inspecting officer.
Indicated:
**6:08**
